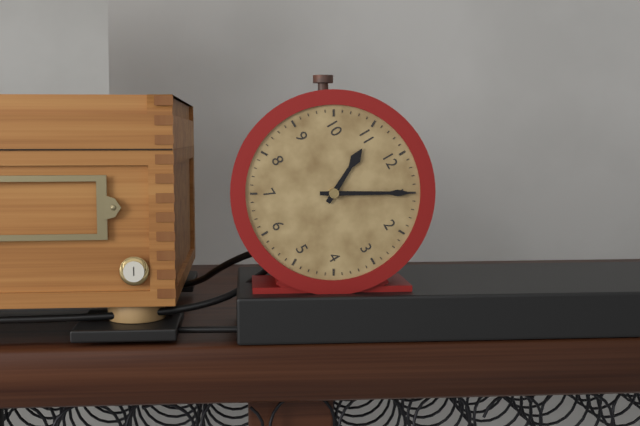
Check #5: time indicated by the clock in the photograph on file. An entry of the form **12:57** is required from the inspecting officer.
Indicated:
**11:05**
